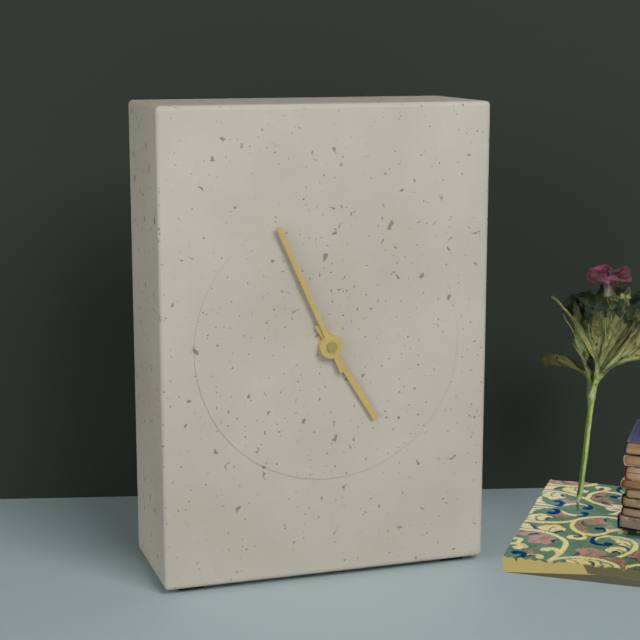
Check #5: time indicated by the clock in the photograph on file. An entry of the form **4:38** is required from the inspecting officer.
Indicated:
**4:56**
